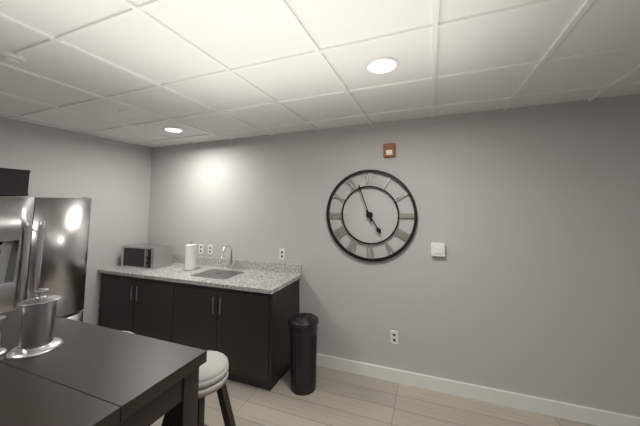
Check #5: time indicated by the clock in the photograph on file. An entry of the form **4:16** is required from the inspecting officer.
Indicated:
**4:57**
